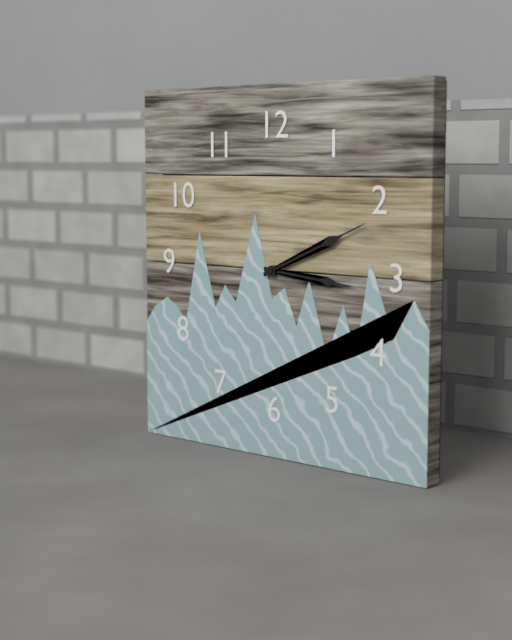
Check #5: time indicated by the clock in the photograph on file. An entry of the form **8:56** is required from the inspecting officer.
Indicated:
**3:11**
